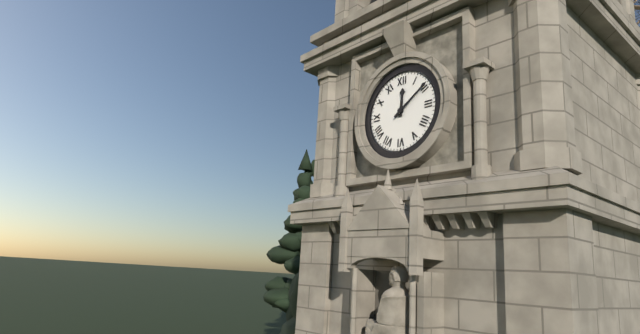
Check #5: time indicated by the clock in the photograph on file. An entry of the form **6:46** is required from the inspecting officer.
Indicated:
**12:09**
